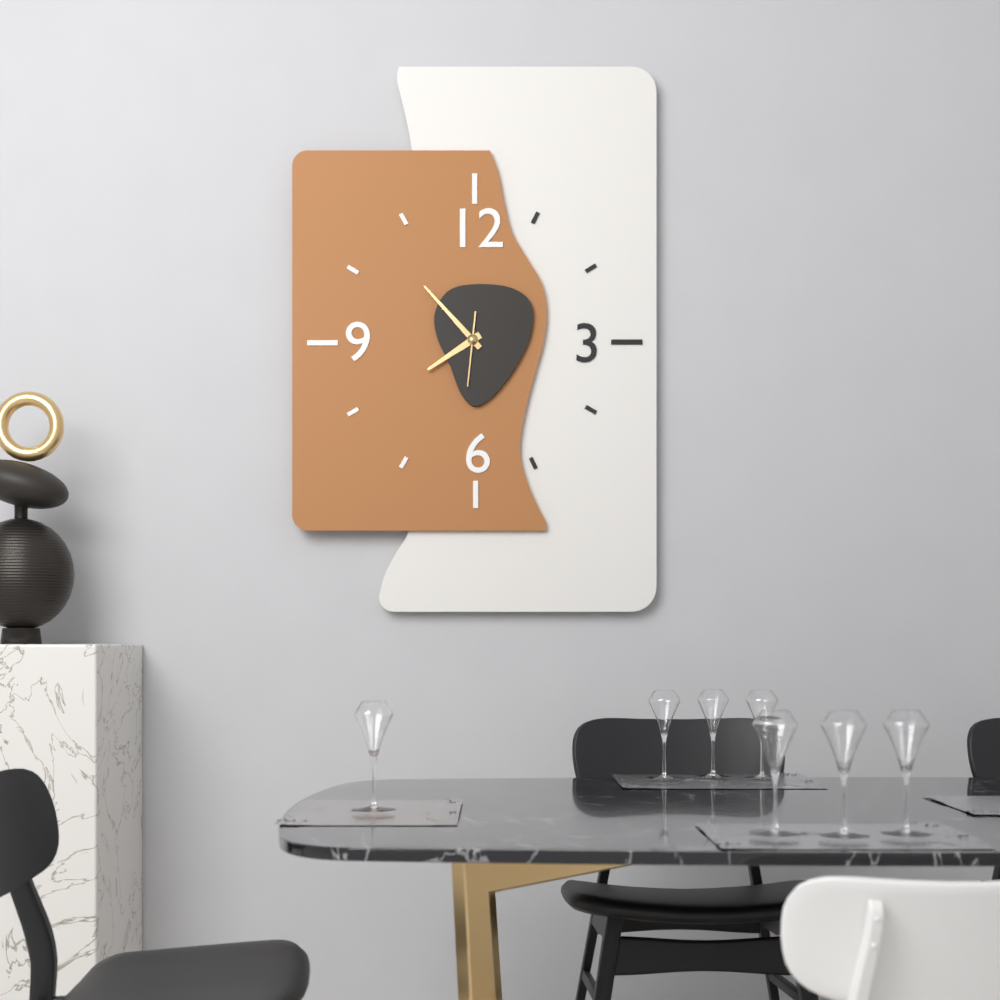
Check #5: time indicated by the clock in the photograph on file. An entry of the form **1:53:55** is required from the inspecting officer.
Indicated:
**7:53:31**
